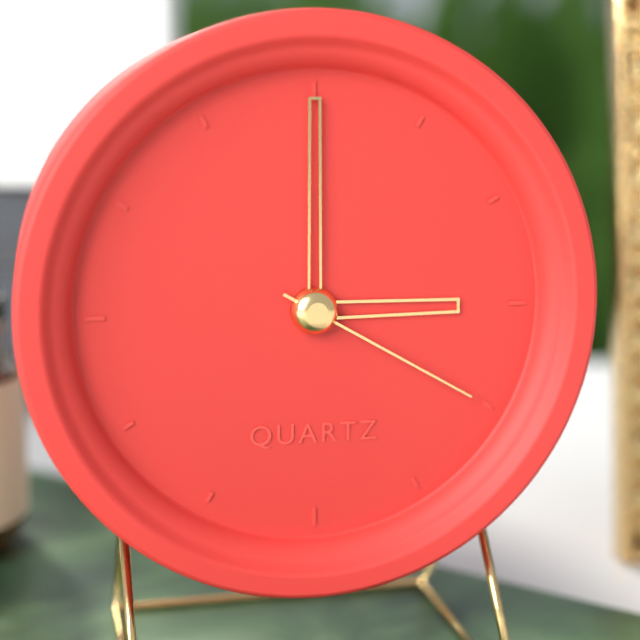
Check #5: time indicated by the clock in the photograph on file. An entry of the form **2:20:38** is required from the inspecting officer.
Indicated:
**3:00:20**
